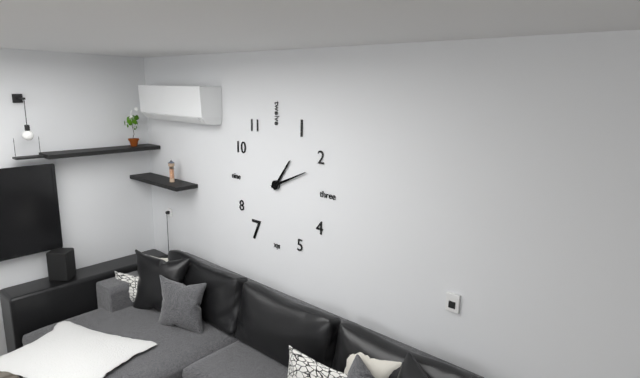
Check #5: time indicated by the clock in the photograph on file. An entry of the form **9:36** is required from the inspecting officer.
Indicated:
**1:11**
